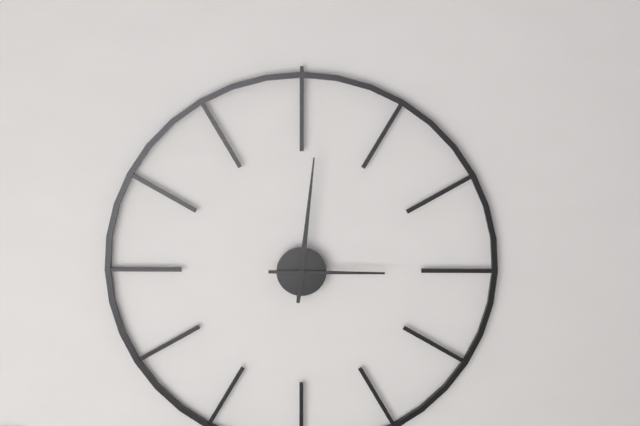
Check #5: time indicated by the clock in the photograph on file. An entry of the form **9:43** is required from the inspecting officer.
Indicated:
**3:01**
